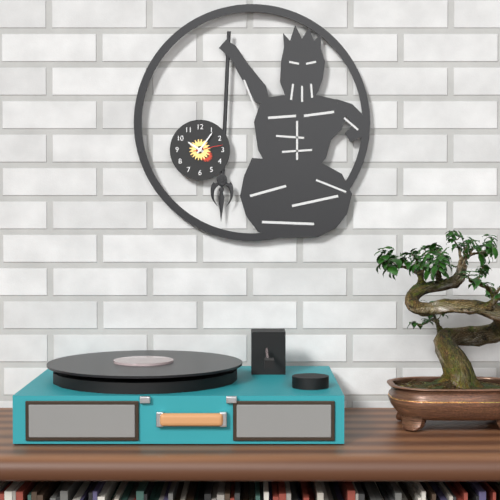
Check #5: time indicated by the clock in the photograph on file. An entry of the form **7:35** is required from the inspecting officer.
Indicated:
**10:06**
